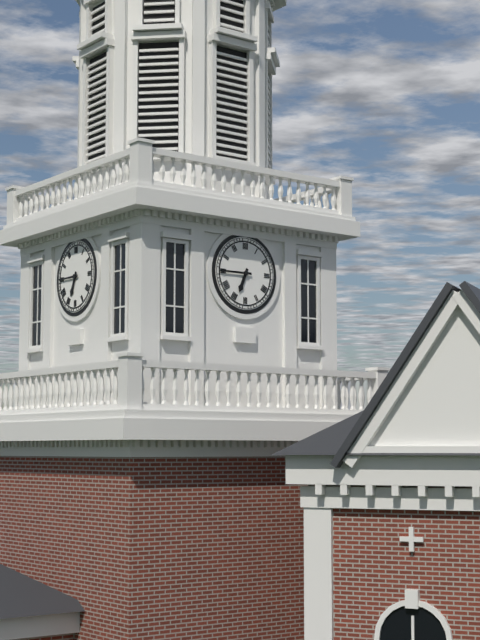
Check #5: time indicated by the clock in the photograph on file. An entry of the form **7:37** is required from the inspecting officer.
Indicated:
**6:45**
